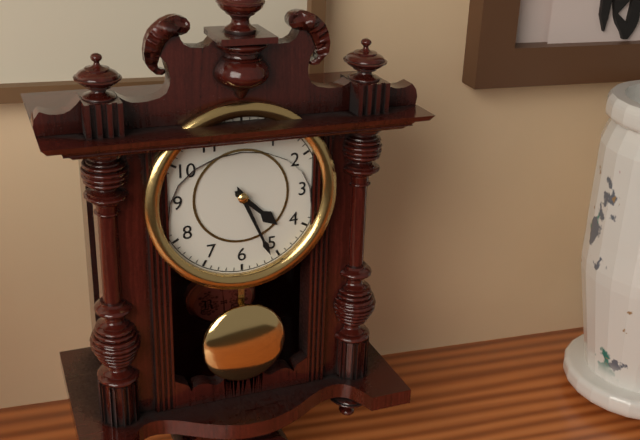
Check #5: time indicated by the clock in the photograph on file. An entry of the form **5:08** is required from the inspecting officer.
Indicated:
**4:26**
